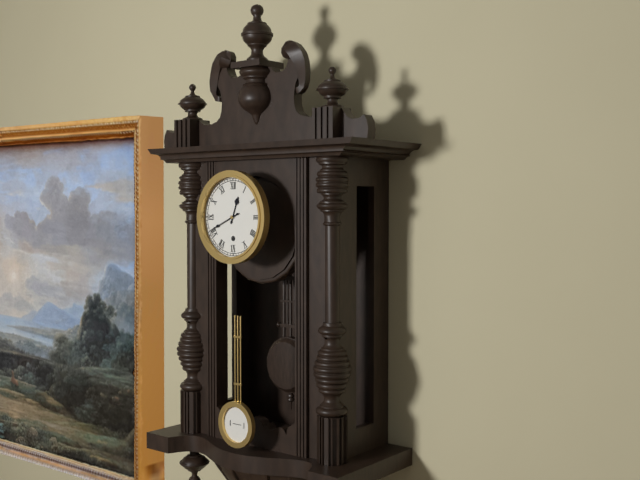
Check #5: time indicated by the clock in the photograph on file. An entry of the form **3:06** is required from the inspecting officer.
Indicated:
**12:41**
